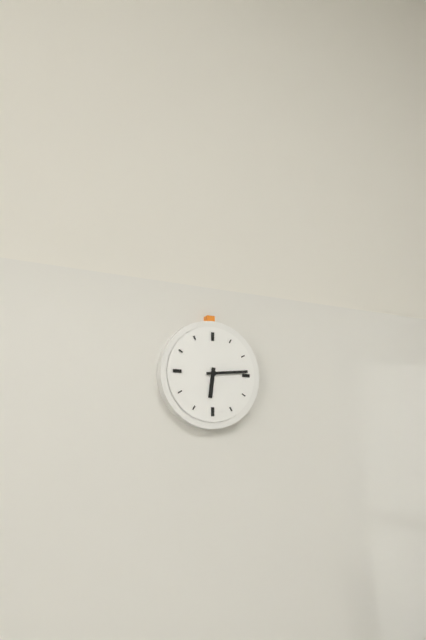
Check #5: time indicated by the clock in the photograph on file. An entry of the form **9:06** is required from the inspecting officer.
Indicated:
**6:14**
